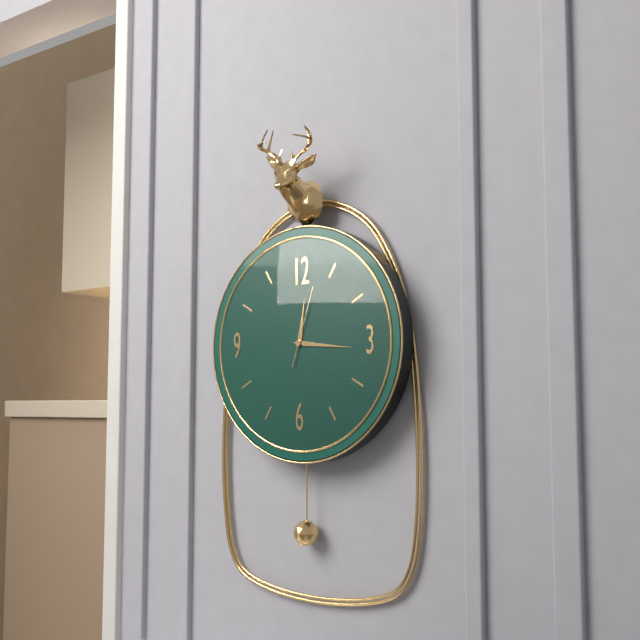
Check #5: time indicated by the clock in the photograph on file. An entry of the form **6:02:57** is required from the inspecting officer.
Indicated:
**12:16:03**
